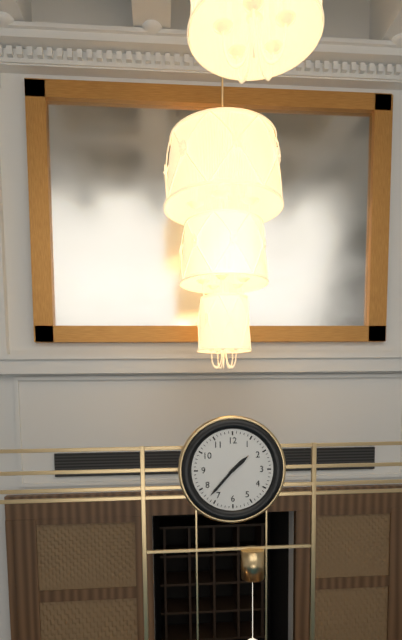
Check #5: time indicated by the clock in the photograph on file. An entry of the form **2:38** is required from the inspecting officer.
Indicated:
**1:37**
